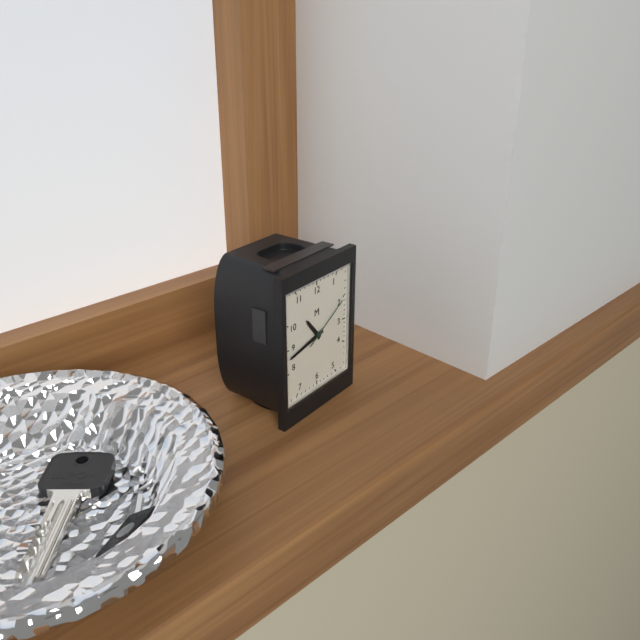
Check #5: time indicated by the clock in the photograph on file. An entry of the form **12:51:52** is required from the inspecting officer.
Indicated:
**10:43:10**
